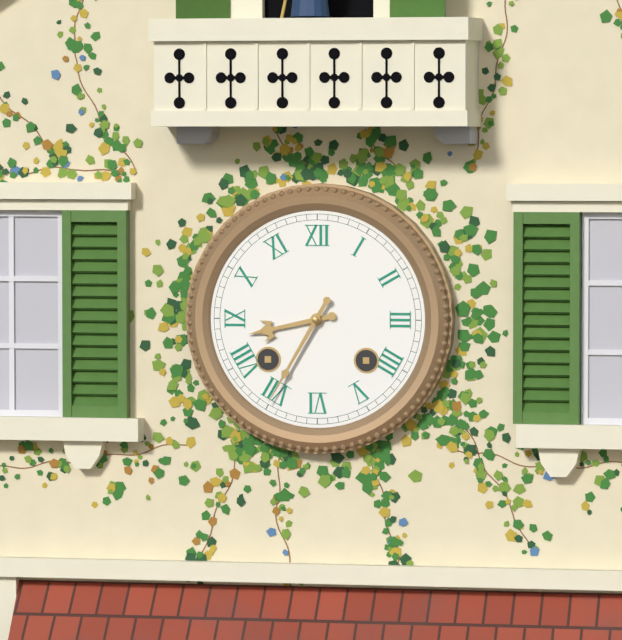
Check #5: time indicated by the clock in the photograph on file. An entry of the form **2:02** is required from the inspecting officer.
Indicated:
**8:35**
